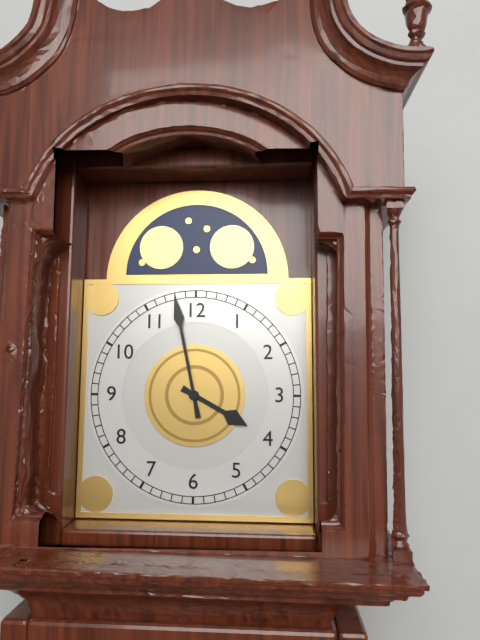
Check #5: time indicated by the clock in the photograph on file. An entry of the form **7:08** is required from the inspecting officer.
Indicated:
**3:58**
